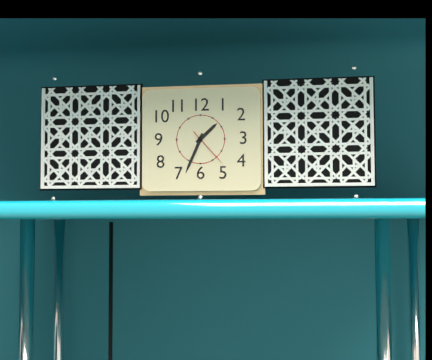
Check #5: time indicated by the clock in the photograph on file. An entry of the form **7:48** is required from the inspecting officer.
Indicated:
**1:34**
